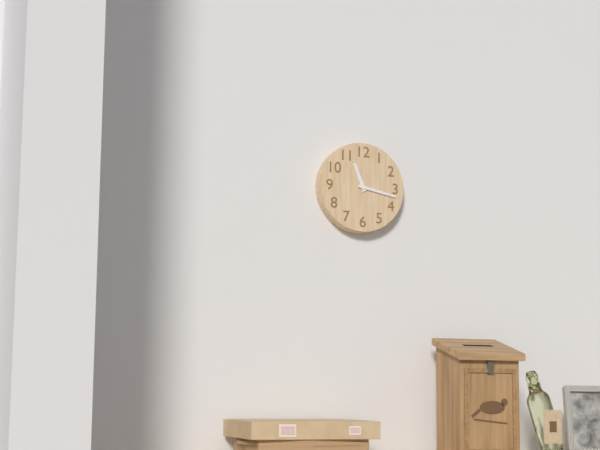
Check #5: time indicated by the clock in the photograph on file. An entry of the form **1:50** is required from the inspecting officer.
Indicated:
**11:17**
